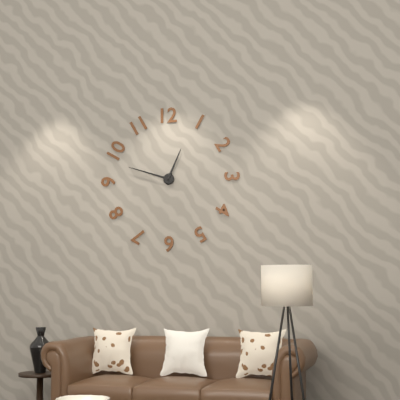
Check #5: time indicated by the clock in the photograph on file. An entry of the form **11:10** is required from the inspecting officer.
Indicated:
**12:48**
